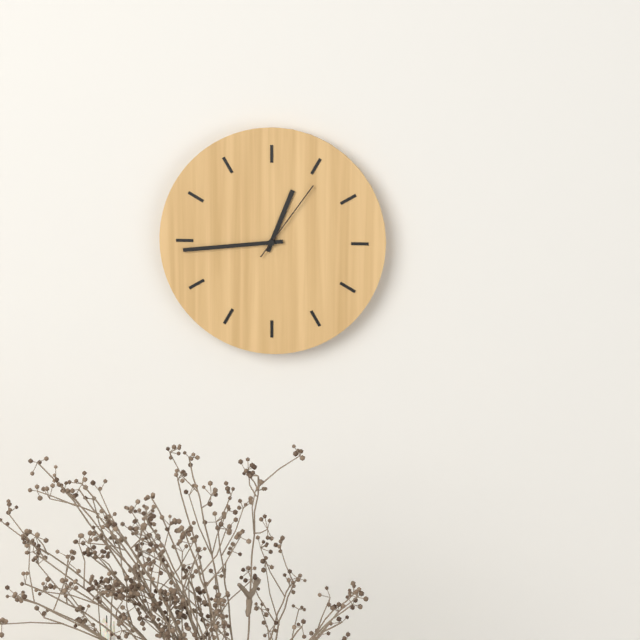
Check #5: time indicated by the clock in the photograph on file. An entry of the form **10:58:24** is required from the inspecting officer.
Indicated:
**12:44:06**
